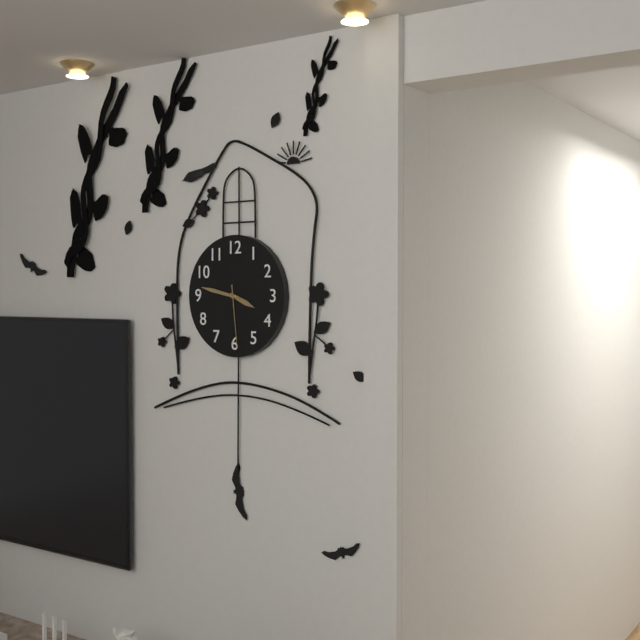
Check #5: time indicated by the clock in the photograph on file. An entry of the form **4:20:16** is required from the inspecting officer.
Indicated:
**3:47:29**
